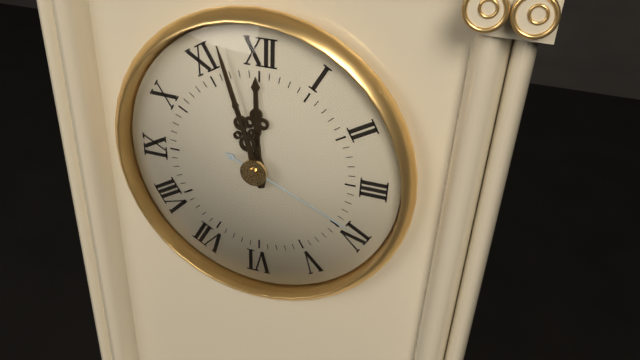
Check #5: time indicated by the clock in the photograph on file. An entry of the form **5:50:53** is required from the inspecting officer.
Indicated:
**11:57:19**
